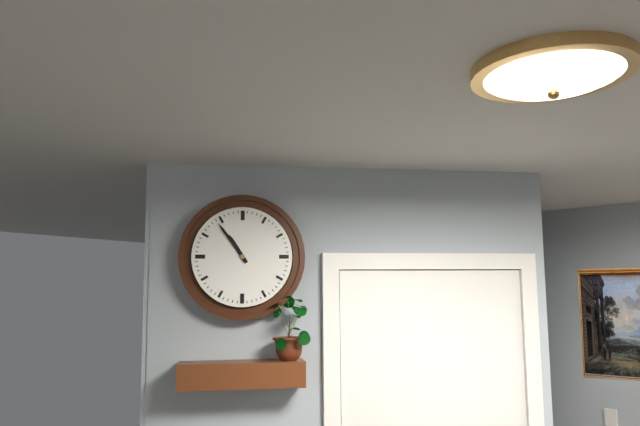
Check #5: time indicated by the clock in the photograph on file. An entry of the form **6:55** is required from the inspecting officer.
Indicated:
**10:54**
